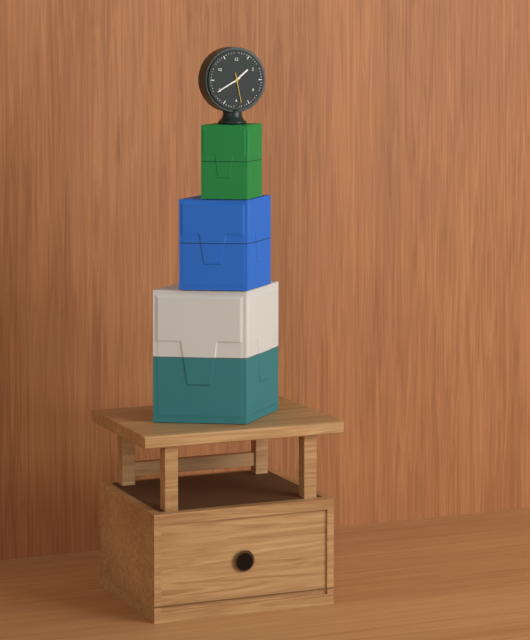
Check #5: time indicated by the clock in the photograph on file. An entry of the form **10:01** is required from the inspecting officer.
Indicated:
**1:40**
